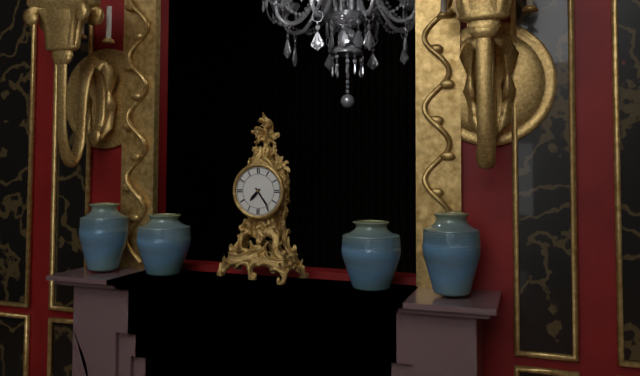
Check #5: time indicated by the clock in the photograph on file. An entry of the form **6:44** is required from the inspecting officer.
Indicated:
**7:24**
